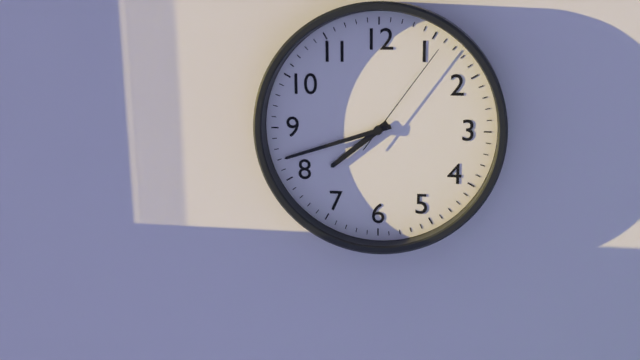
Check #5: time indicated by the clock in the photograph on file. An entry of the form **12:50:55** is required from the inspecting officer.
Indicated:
**7:42:06**
